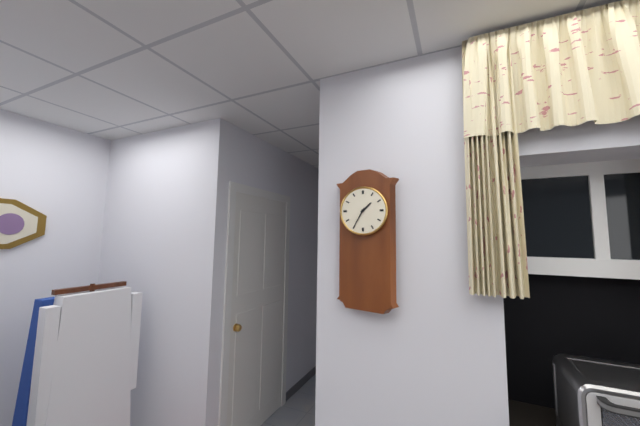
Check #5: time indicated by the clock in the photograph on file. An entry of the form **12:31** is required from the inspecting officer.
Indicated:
**1:35**
